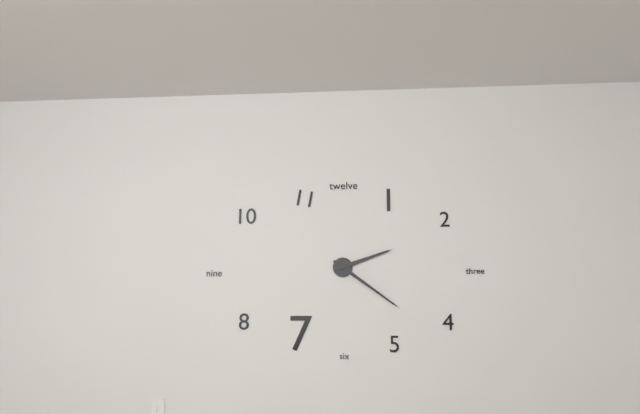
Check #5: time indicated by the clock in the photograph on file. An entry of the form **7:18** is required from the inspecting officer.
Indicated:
**2:21**
